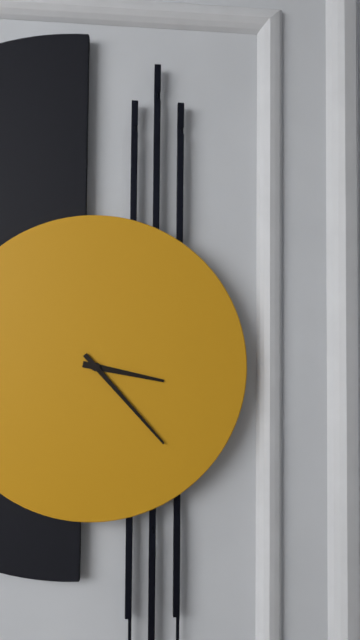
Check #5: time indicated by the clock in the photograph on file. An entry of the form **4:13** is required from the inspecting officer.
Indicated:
**3:23**
